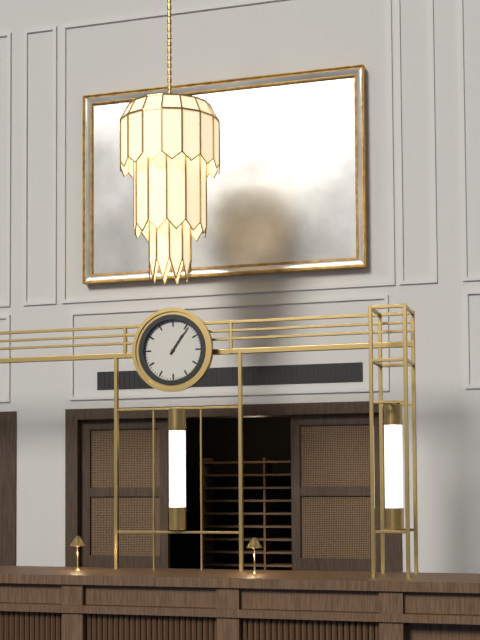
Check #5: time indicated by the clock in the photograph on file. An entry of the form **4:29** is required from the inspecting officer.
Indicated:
**1:06**
